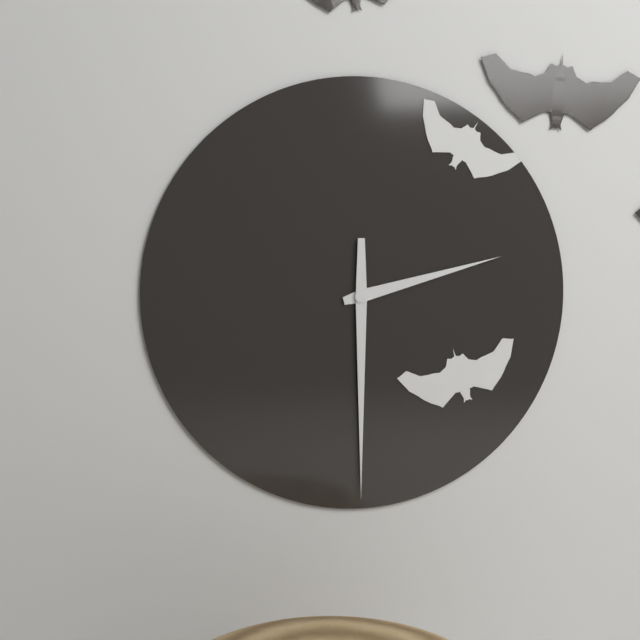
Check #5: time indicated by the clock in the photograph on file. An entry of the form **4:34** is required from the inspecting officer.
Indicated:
**2:30**
